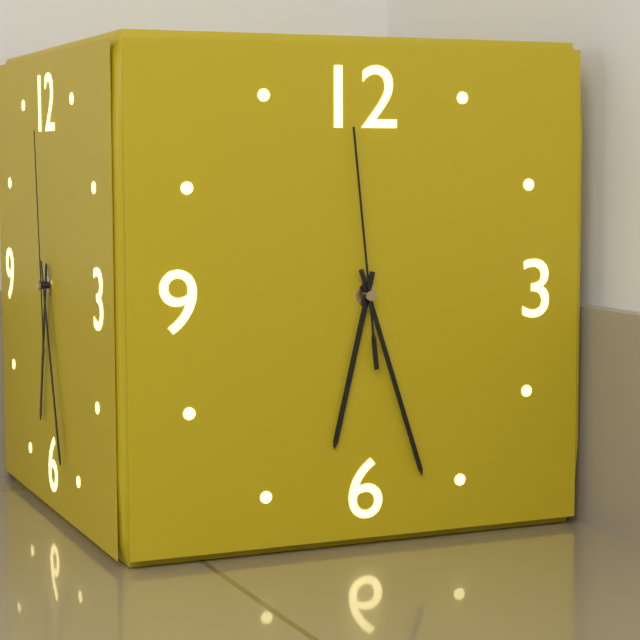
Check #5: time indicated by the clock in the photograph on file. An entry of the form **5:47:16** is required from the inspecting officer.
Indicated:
**6:27:59**
